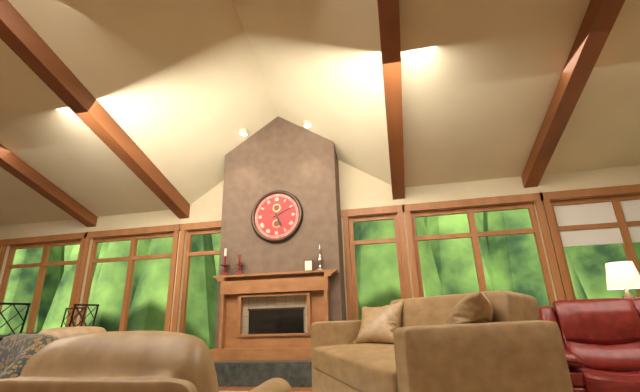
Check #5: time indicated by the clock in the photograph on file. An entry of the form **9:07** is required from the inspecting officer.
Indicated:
**5:11**
